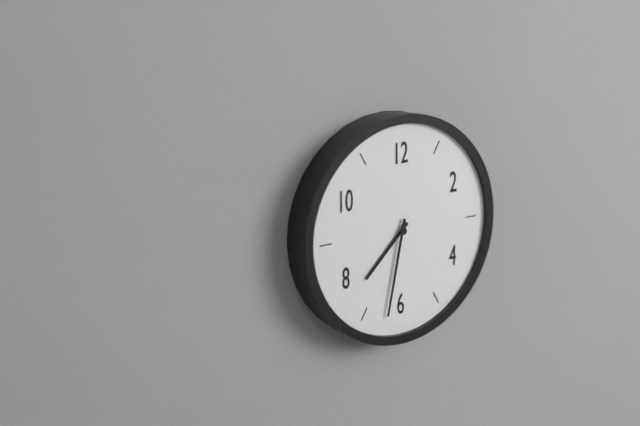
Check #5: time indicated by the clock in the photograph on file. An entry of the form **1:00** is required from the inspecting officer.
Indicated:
**7:32**
